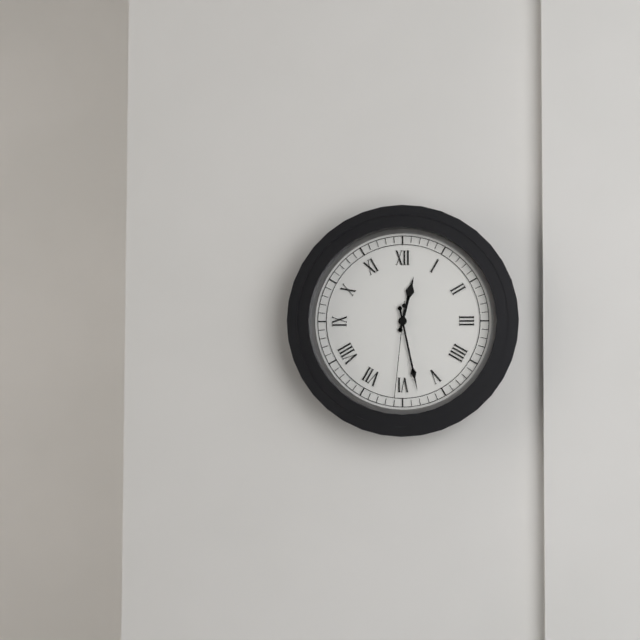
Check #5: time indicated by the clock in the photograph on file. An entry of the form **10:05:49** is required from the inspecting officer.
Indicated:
**12:28:31**
